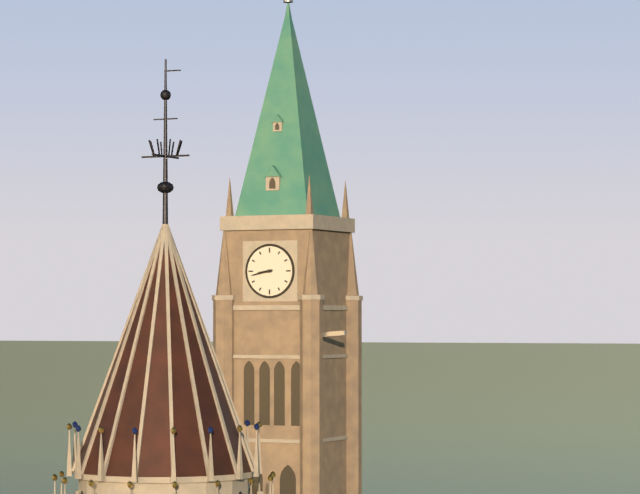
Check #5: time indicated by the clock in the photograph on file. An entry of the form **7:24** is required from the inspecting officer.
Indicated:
**8:43**
